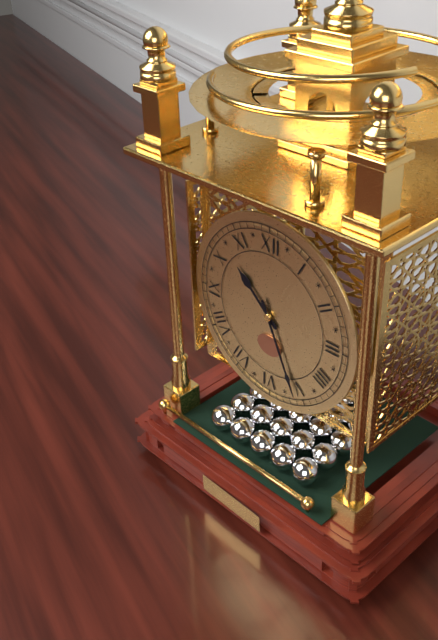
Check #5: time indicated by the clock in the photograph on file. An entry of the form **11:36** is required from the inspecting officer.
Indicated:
**10:26**
